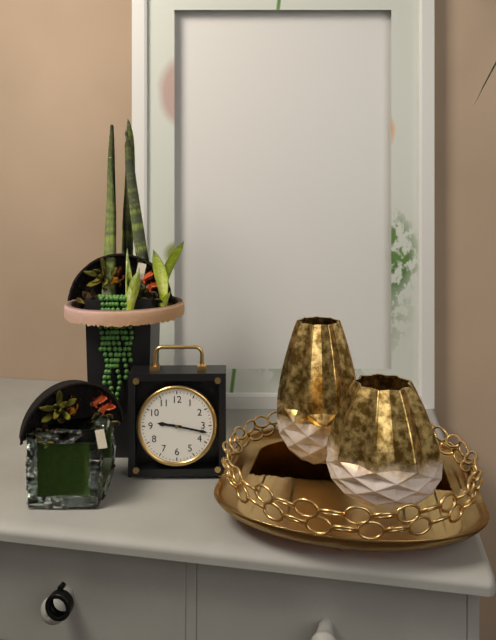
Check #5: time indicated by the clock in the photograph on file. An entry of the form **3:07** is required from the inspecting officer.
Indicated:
**9:17**
